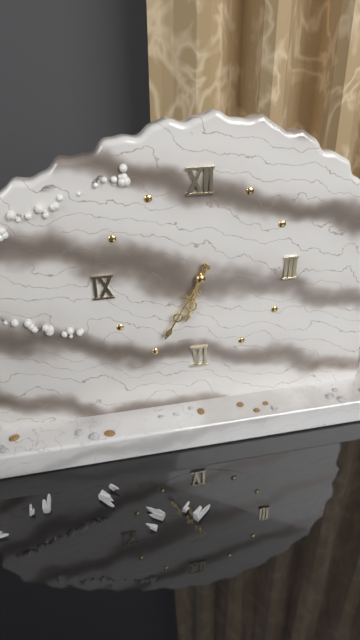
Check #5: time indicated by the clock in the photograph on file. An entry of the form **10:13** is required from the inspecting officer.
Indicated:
**6:35**
